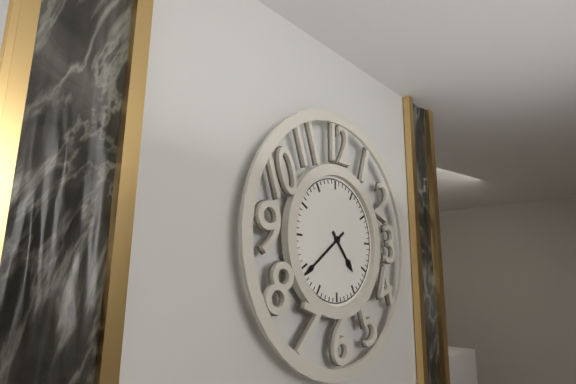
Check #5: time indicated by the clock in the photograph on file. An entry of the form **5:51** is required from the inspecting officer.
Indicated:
**4:39**
